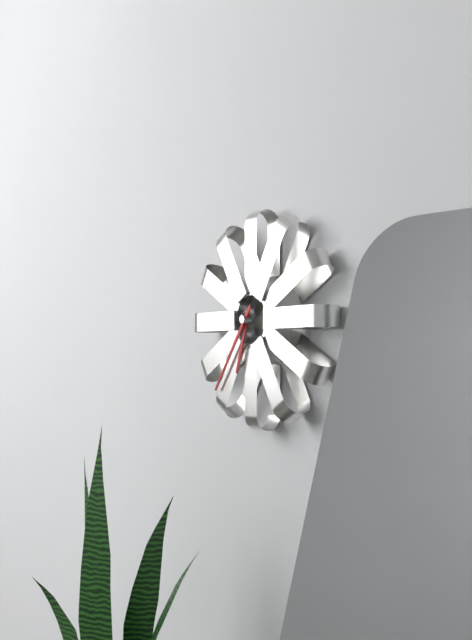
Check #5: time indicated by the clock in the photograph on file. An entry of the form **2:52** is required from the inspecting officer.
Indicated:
**6:36**
